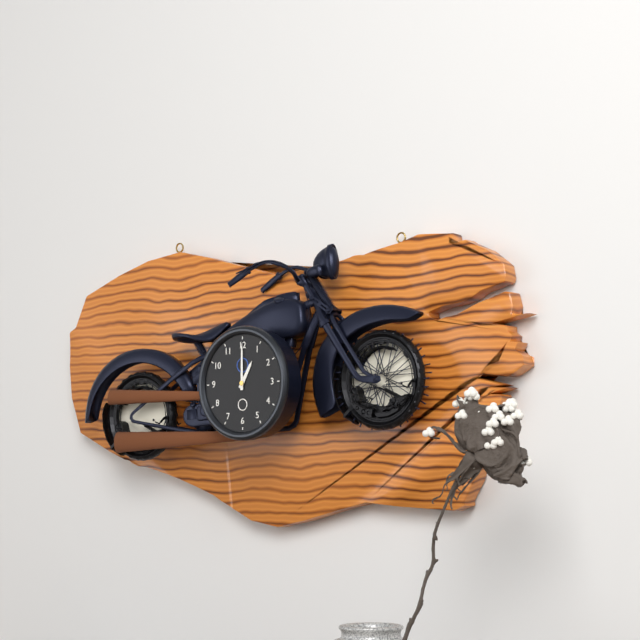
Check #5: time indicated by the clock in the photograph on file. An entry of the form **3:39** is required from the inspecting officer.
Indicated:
**1:00**
